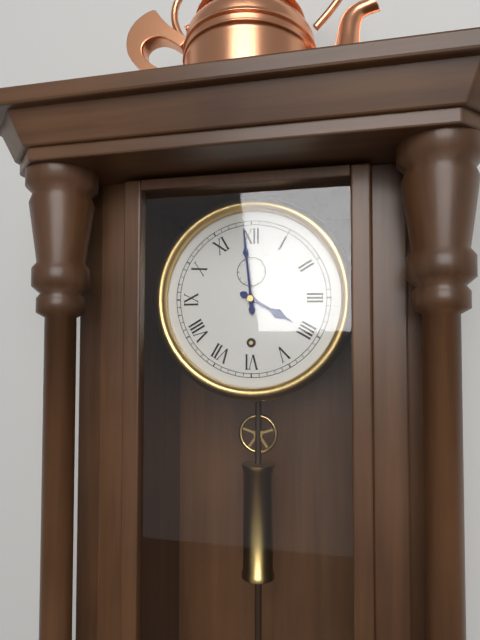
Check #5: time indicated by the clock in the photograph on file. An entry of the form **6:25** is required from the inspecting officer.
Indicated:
**3:59**
